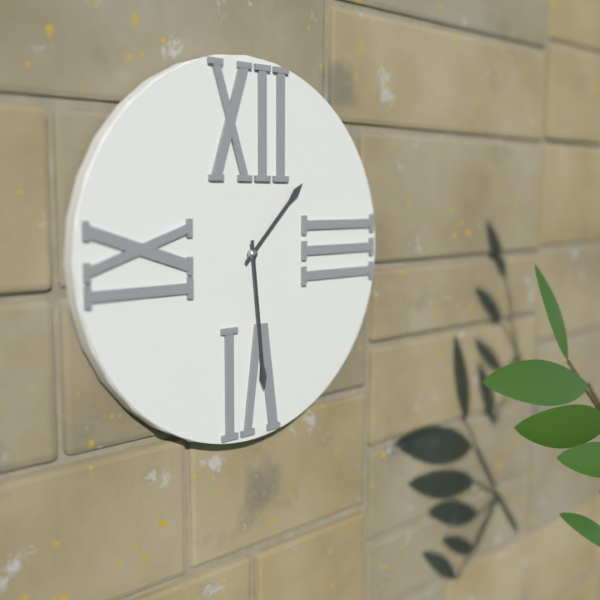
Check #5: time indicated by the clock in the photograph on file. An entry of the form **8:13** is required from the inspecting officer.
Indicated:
**1:29**
